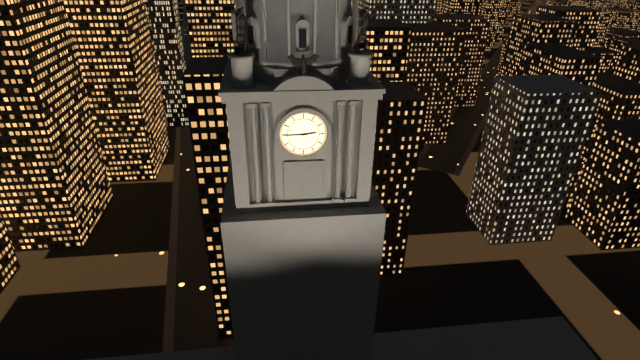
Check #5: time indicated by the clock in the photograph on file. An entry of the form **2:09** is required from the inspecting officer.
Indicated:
**2:45**
